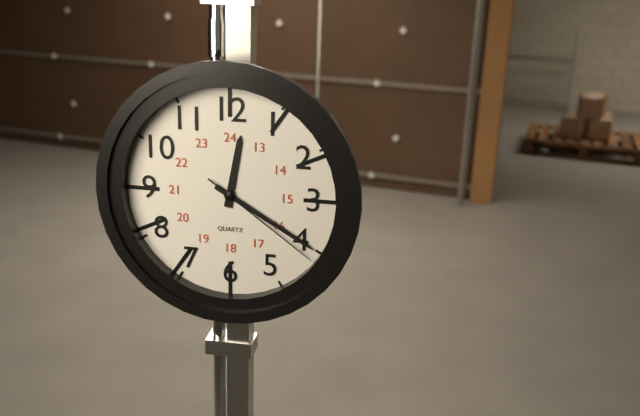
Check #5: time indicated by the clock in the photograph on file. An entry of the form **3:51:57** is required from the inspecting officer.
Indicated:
**12:20:21**
